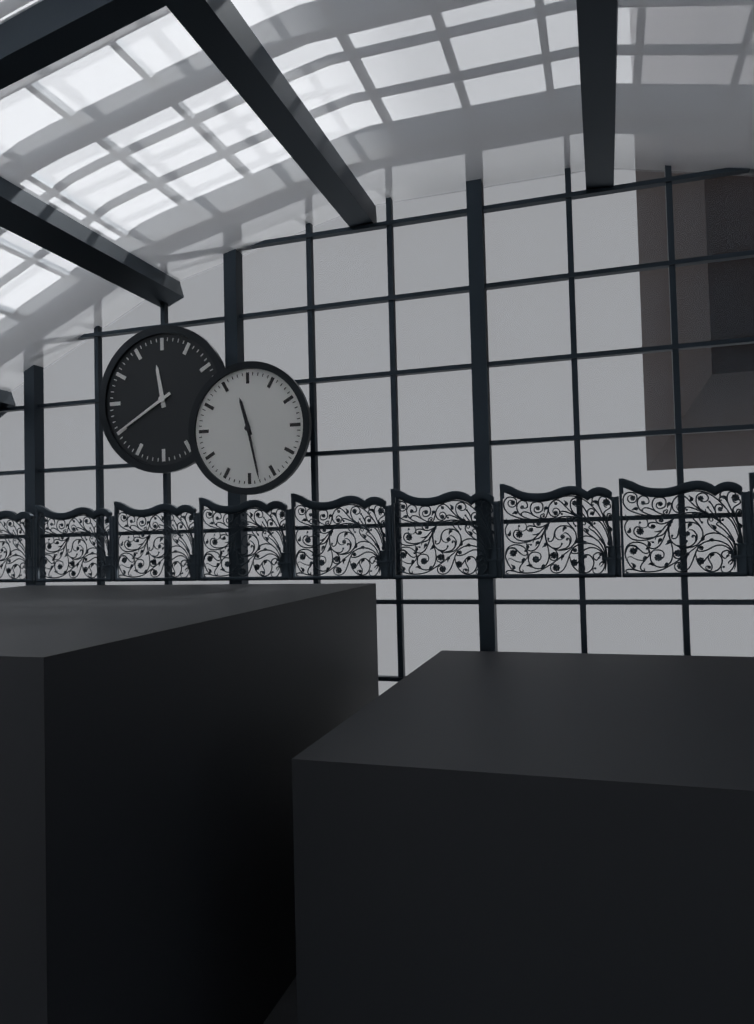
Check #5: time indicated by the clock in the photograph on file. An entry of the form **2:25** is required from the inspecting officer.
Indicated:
**11:28**
